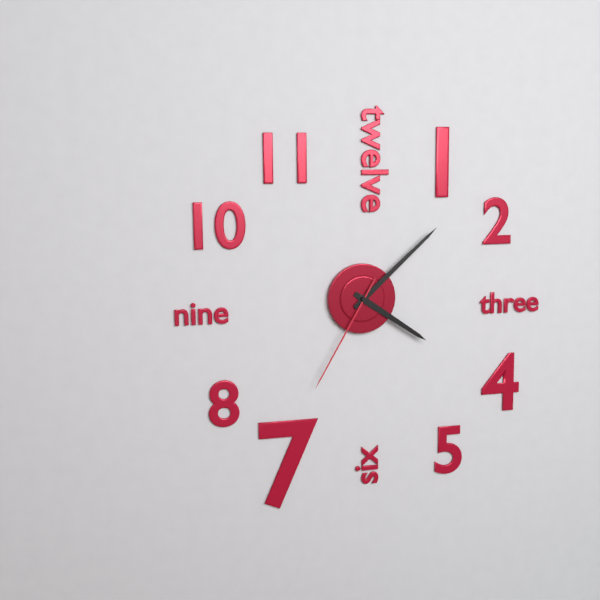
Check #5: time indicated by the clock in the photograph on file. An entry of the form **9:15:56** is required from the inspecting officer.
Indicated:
**4:08:35**
